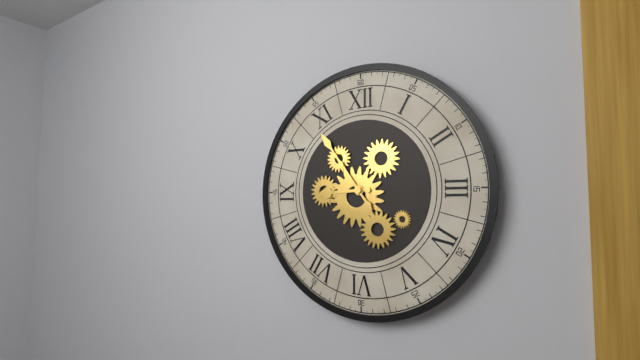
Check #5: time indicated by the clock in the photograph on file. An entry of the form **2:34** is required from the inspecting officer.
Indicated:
**8:54**
